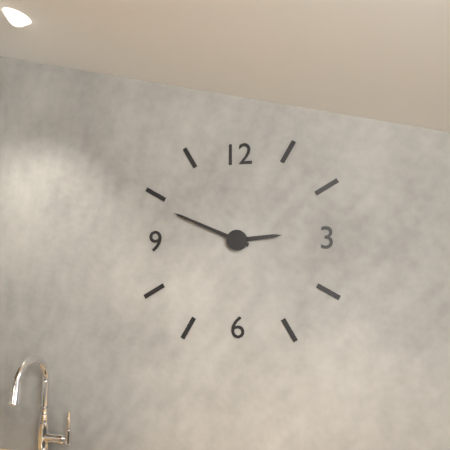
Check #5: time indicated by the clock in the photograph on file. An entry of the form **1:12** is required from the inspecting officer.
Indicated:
**2:49**
